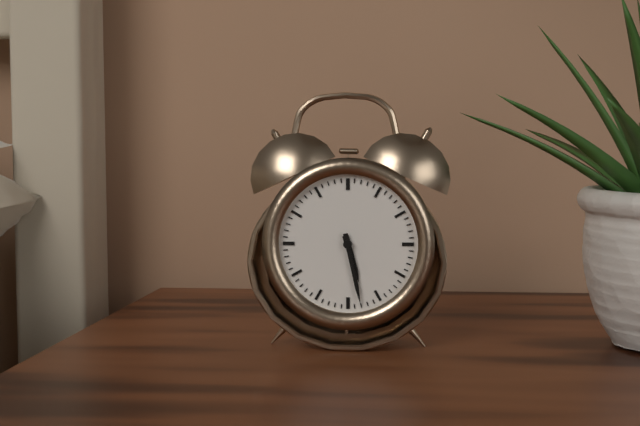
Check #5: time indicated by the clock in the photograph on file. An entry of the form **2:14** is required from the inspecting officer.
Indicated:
**5:28**
